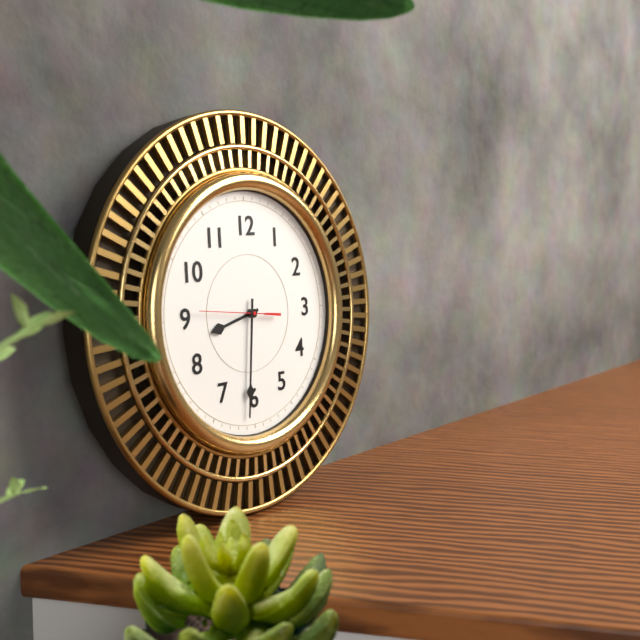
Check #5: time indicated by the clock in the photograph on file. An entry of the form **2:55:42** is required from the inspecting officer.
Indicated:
**8:31:46**
